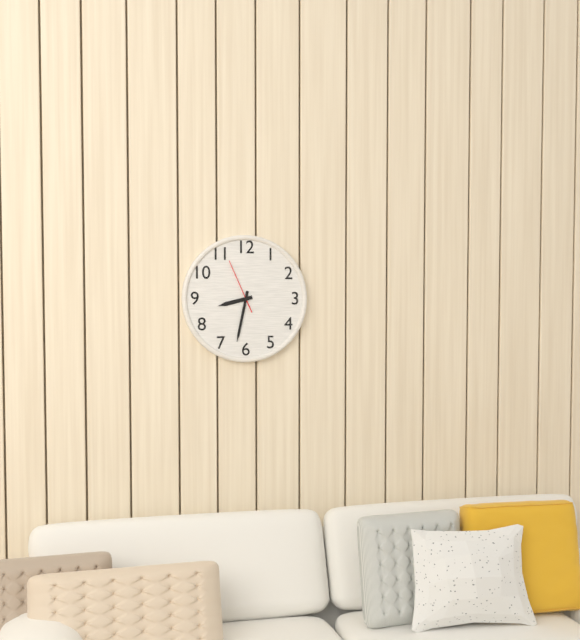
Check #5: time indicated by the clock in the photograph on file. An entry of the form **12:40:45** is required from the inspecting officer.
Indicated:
**8:32:56**
